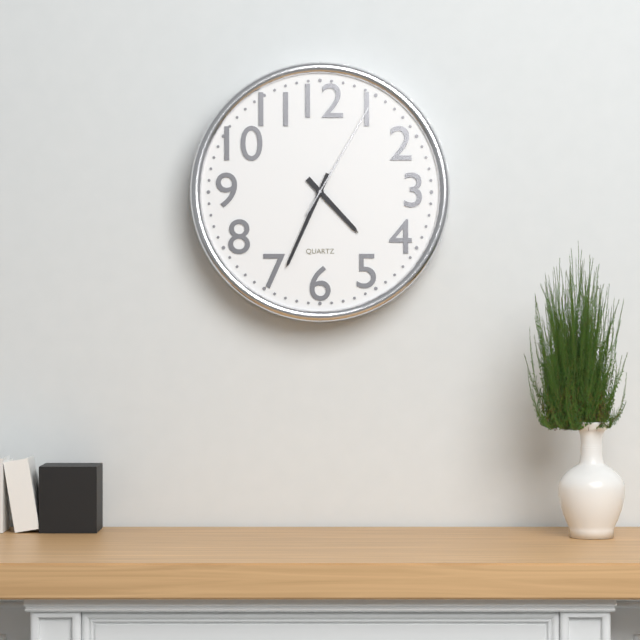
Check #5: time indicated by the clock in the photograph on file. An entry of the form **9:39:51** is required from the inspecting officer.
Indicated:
**4:34:05**
